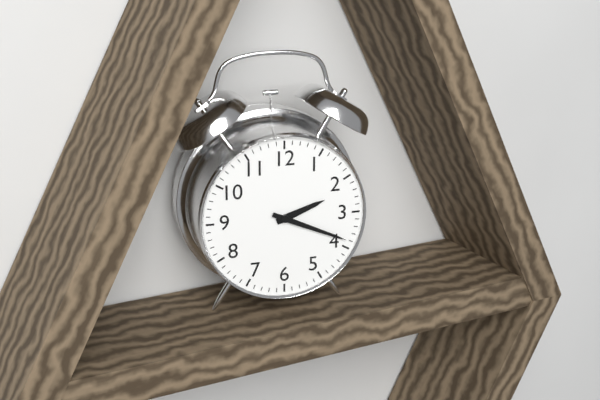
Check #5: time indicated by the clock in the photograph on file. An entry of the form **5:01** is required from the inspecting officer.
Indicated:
**2:19**
